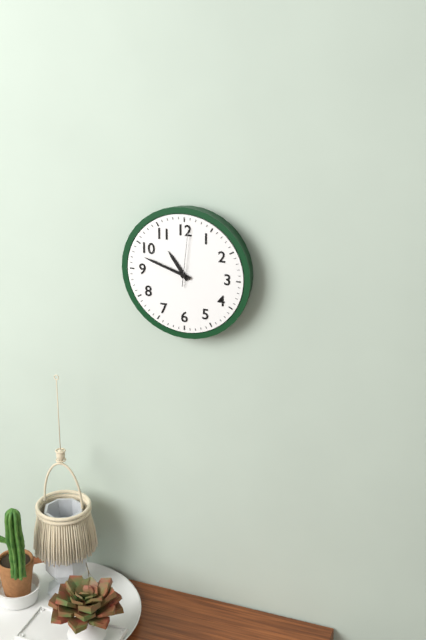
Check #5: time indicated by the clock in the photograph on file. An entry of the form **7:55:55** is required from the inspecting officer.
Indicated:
**10:48:01**
